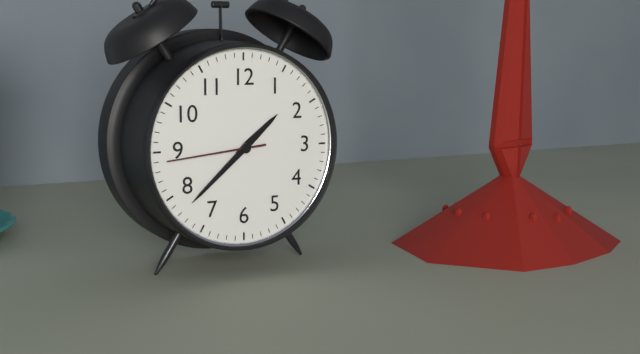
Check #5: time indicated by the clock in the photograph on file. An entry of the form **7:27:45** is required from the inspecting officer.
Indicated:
**1:38:44**
